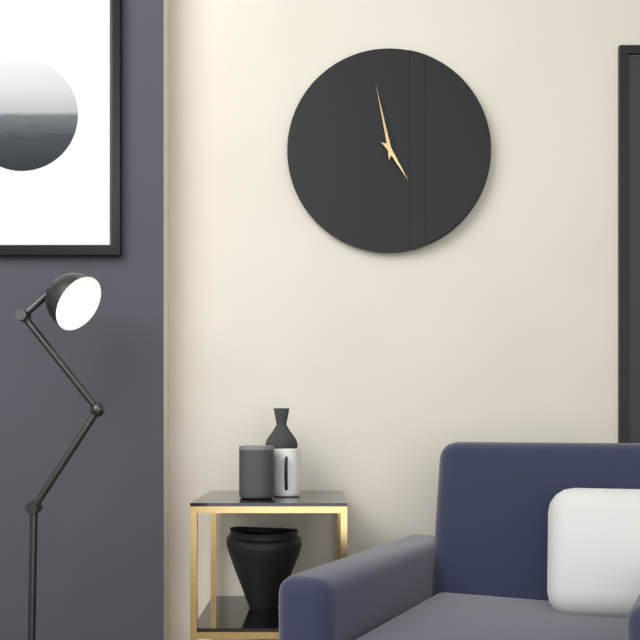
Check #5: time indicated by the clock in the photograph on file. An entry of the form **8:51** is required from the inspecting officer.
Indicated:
**4:58**
